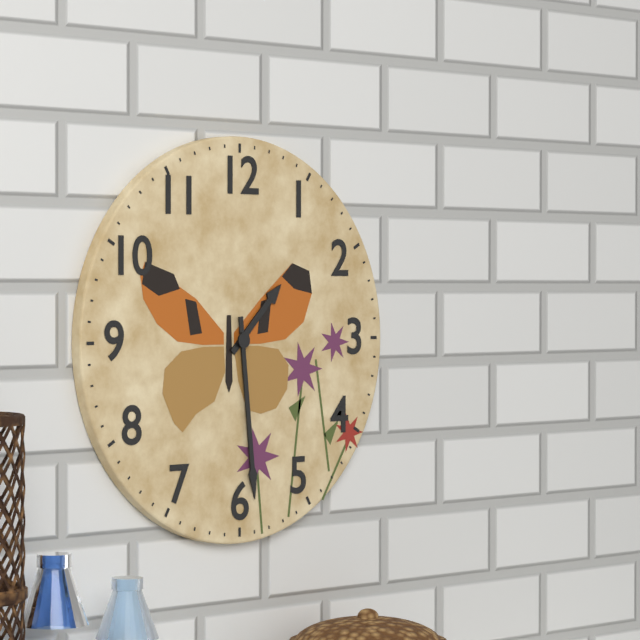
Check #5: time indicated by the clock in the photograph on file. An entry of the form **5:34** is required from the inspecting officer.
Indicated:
**1:29**
